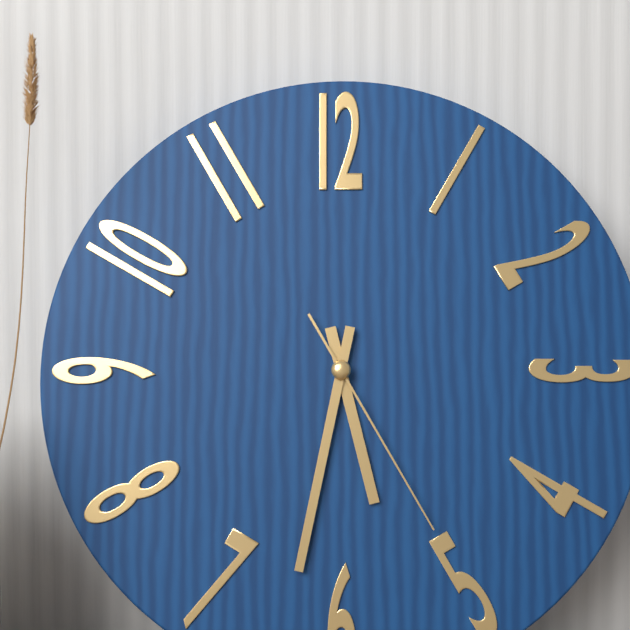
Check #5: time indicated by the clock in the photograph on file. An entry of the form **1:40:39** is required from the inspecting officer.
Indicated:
**5:32:25**
